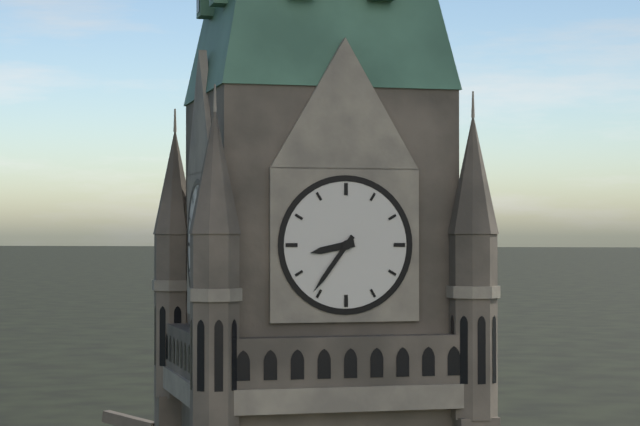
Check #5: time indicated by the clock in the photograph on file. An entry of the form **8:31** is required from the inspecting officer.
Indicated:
**8:36**
